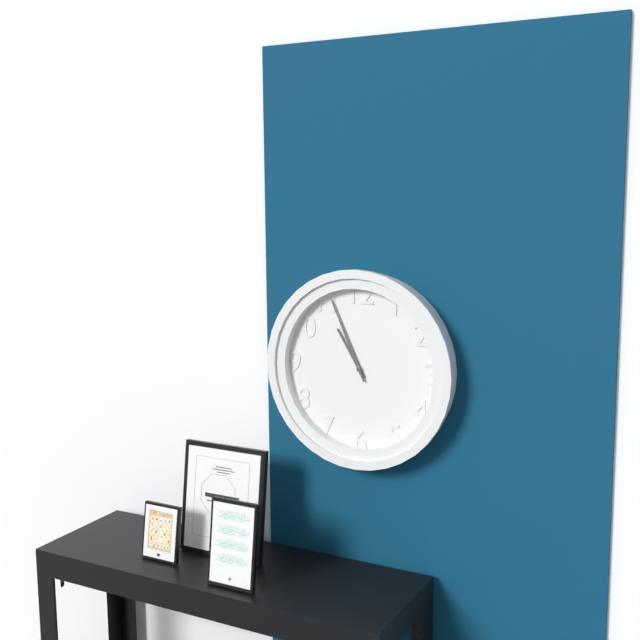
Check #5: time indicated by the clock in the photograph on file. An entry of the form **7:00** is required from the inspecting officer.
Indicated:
**10:56**
